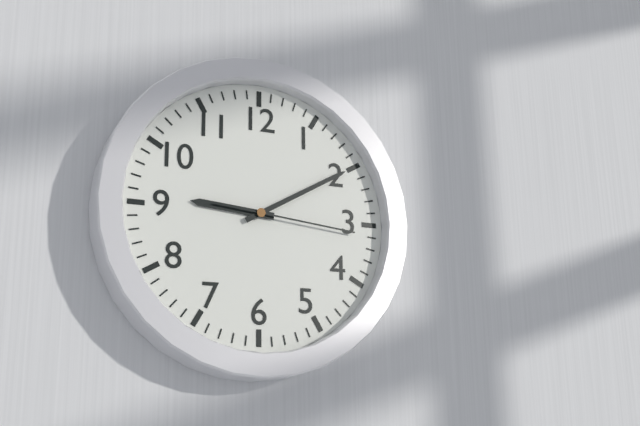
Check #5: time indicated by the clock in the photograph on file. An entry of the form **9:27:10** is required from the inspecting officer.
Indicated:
**9:10:16**
